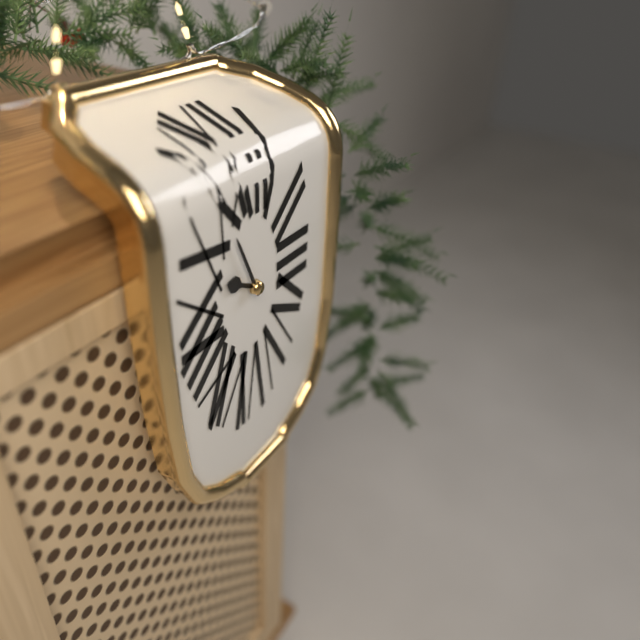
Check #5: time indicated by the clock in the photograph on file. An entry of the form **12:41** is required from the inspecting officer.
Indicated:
**9:56**
